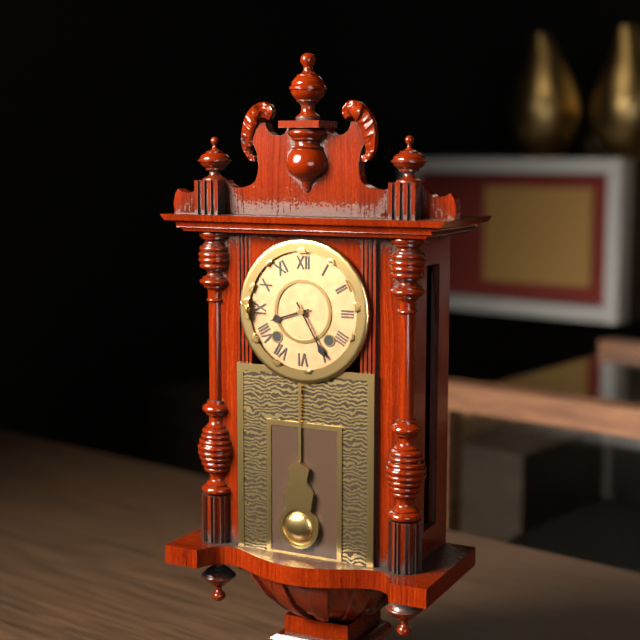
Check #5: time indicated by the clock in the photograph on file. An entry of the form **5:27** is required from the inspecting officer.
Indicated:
**8:25**
